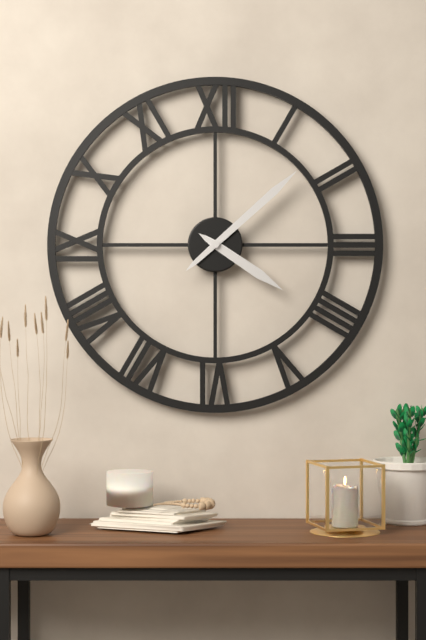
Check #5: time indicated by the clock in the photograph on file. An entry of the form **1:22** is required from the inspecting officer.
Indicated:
**4:08**
